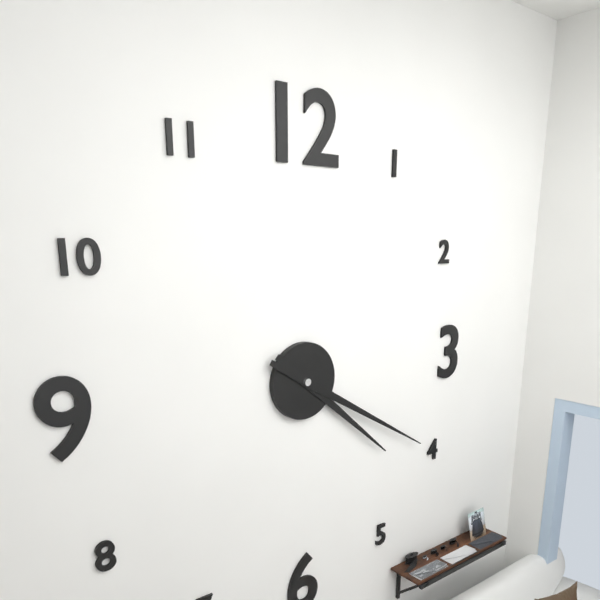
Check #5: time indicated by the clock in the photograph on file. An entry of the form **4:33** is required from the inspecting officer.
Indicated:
**4:20**
